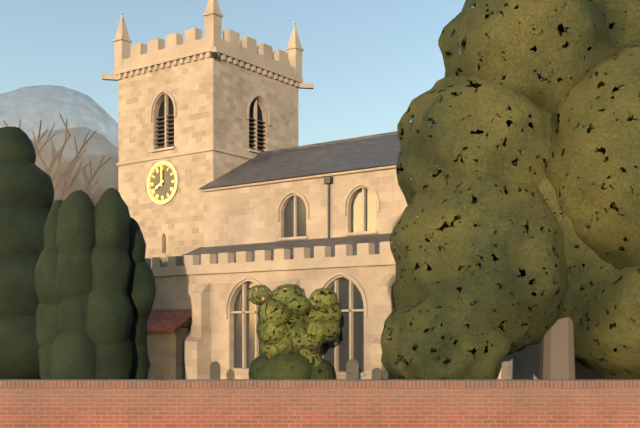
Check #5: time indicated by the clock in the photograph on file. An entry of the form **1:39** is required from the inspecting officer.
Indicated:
**8:00**
